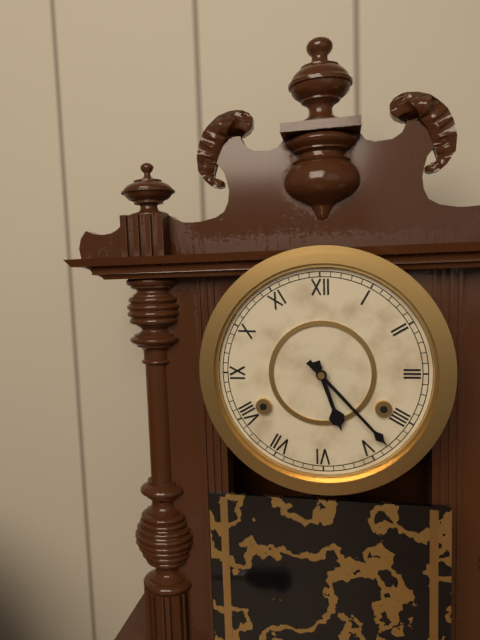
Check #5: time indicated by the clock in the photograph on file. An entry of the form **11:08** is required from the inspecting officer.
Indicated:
**5:23**
